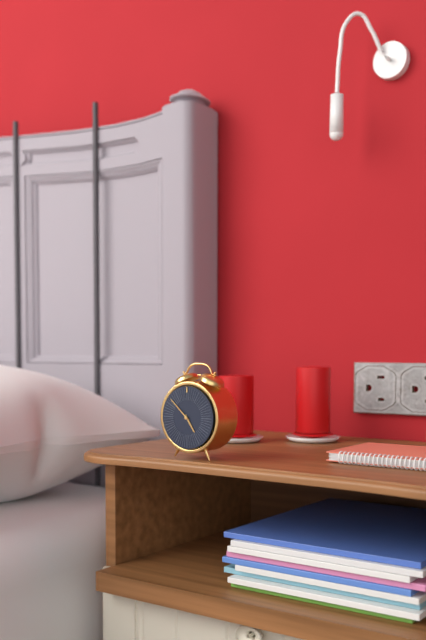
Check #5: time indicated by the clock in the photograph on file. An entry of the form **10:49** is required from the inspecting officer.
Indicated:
**4:52**
